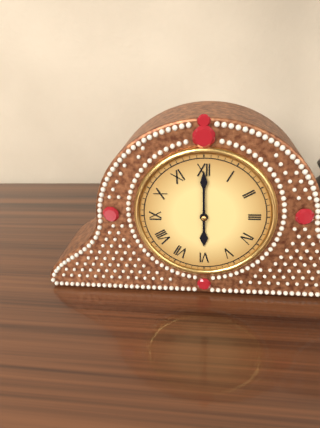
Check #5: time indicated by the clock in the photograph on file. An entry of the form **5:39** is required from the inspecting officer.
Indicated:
**6:00**
